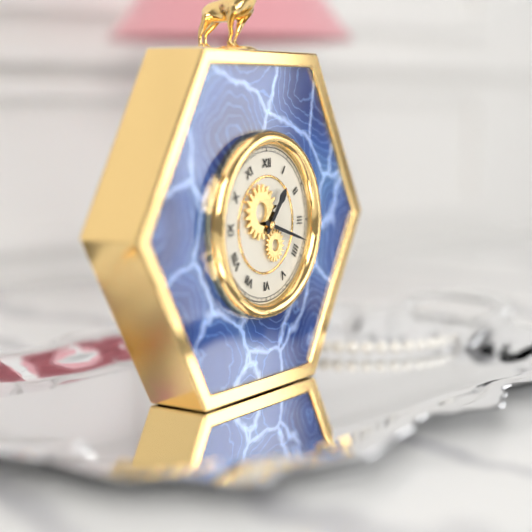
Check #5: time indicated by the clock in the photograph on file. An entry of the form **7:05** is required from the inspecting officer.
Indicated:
**1:18**
